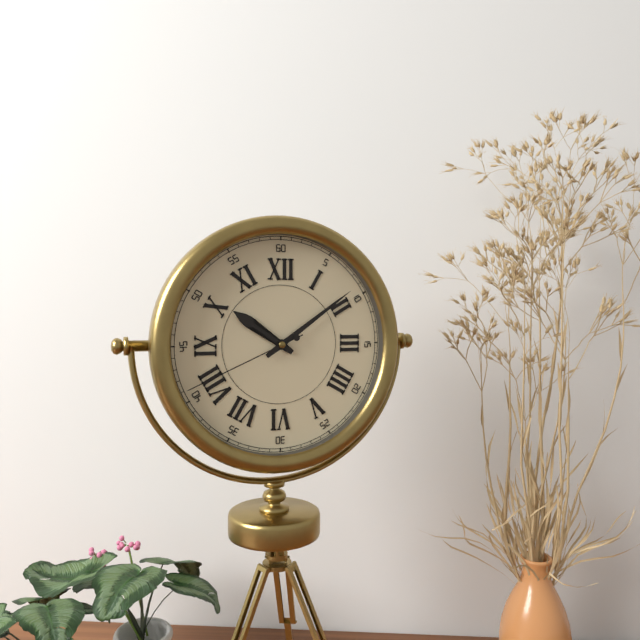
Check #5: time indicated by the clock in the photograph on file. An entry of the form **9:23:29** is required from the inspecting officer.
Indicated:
**10:09:41**
